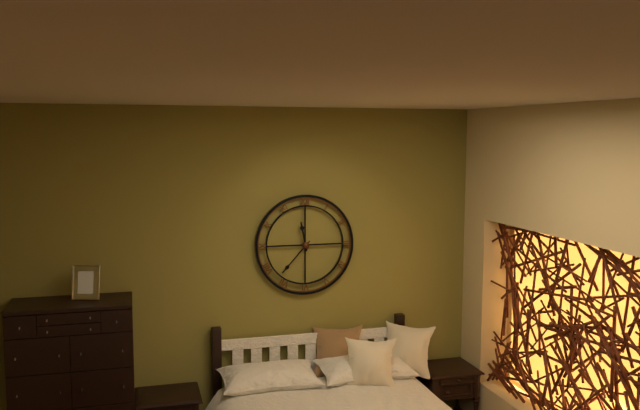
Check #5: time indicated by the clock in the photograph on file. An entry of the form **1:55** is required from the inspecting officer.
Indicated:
**11:37**
